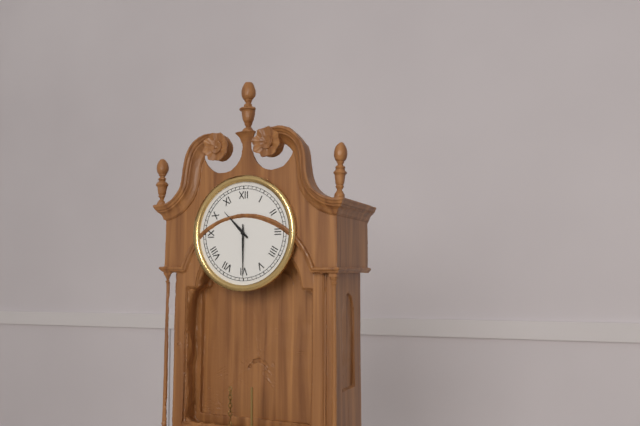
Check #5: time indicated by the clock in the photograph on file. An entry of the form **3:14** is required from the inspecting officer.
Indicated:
**10:30**
